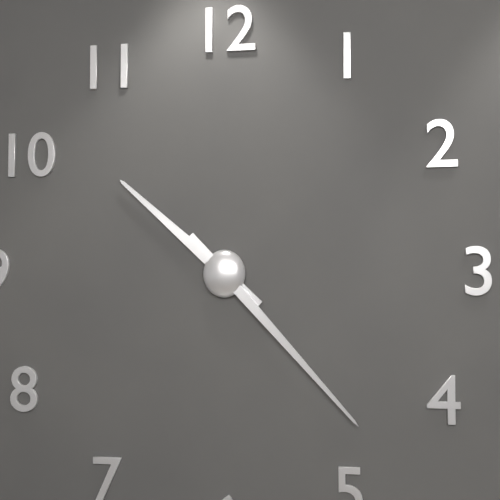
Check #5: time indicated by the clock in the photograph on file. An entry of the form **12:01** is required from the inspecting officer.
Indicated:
**10:23**
